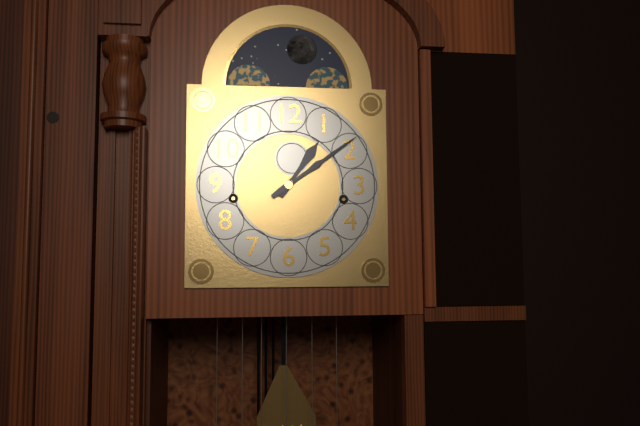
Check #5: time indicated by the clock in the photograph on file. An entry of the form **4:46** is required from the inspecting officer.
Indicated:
**1:09**
